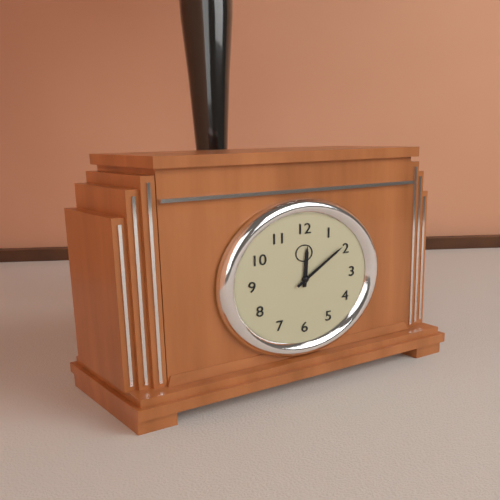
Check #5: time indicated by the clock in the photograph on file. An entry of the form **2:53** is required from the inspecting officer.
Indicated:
**12:09**
